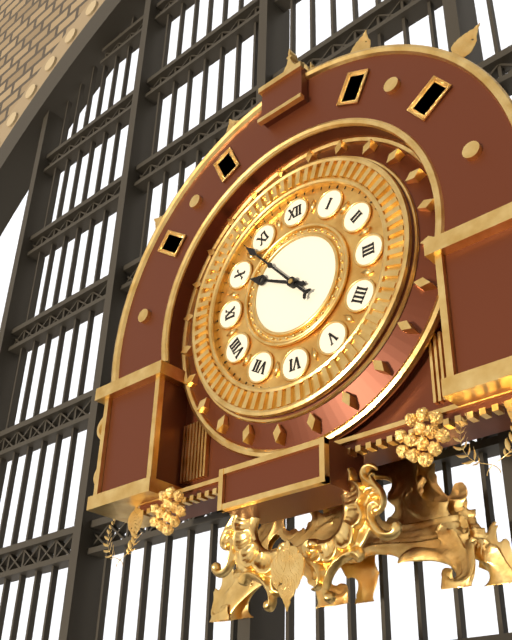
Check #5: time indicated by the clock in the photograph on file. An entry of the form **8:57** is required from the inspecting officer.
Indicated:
**9:53**
